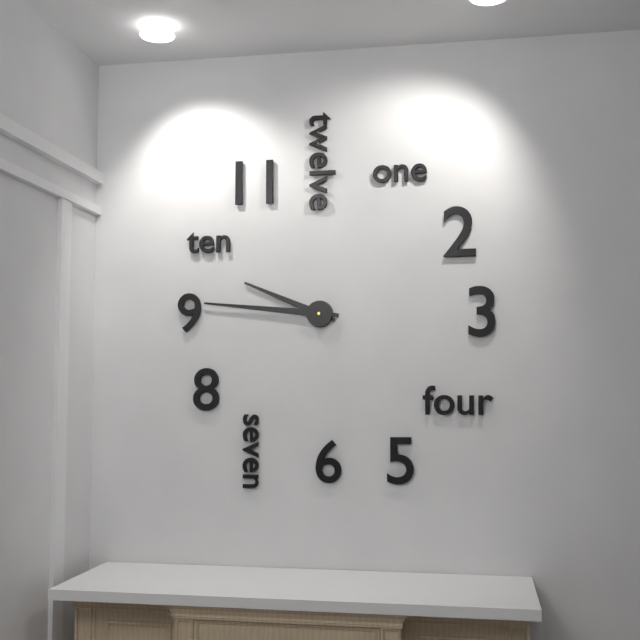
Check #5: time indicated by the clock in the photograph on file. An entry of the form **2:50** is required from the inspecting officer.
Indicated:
**9:46**
